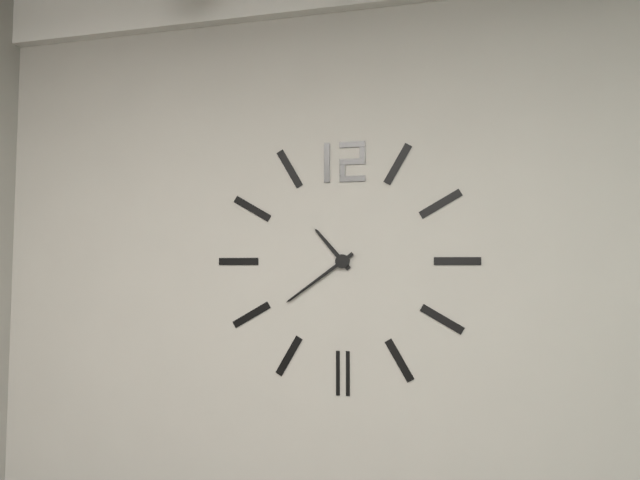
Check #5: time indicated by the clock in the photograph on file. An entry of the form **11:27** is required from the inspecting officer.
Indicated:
**10:39**
